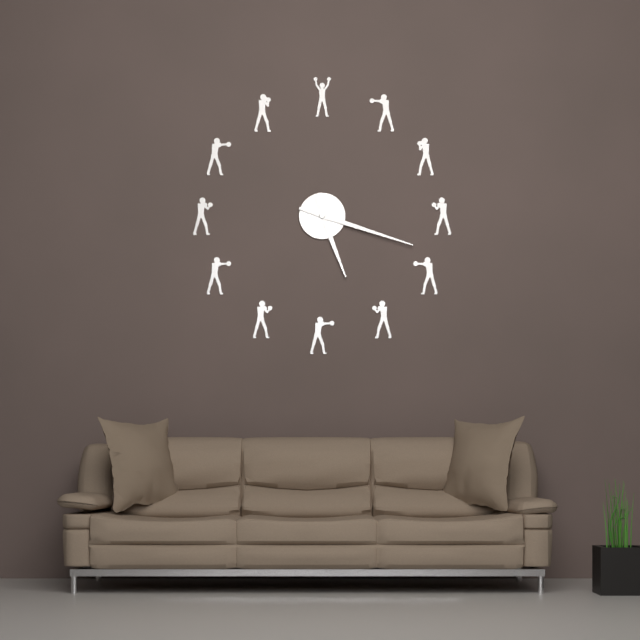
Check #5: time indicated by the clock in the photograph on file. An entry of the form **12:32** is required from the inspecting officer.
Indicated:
**5:18**
